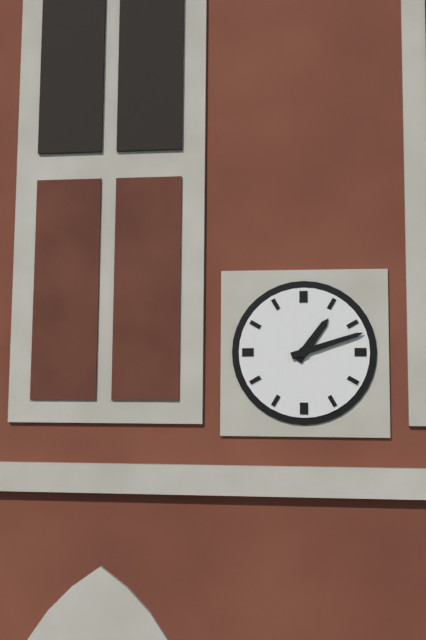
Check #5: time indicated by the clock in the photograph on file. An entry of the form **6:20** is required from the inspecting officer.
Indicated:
**1:12**
